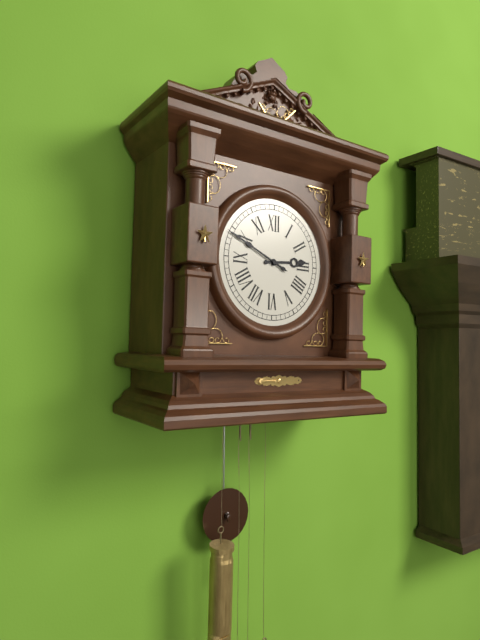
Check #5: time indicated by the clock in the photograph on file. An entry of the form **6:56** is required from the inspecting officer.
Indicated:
**2:49**
